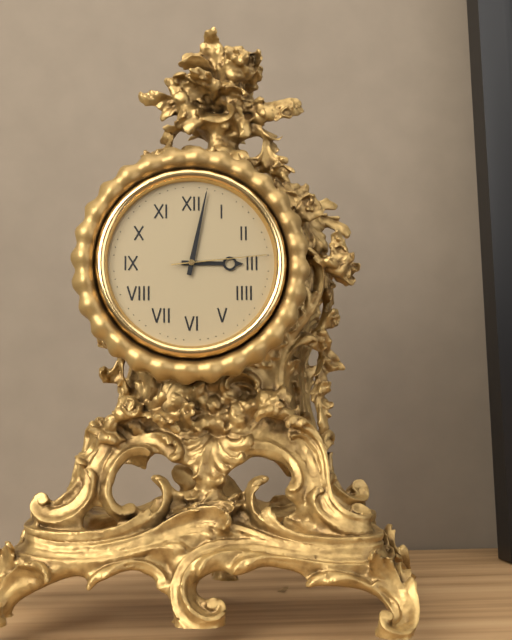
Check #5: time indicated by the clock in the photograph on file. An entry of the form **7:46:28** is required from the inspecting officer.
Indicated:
**3:02:14**
